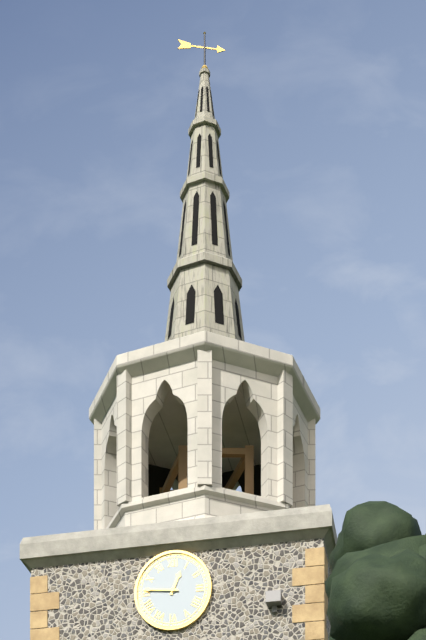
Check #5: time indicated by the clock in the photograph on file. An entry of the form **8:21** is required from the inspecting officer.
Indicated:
**12:46**
